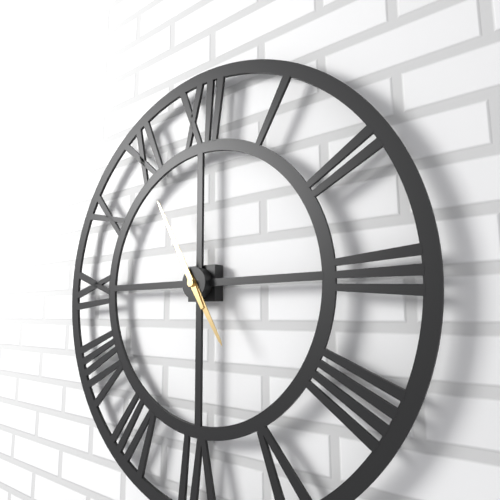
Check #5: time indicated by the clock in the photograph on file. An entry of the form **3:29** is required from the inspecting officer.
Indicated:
**4:55**
